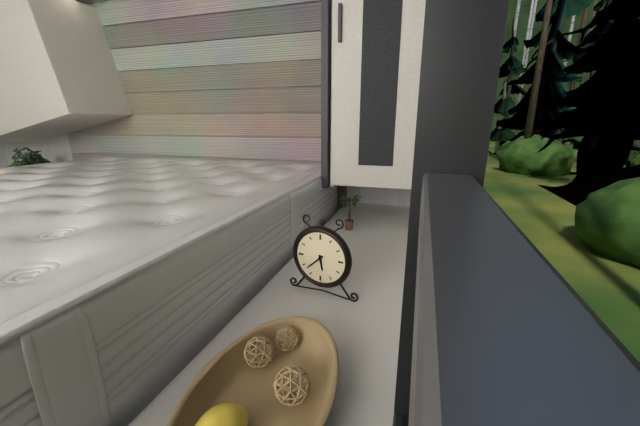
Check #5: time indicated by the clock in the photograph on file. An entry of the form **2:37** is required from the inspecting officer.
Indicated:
**5:38**
